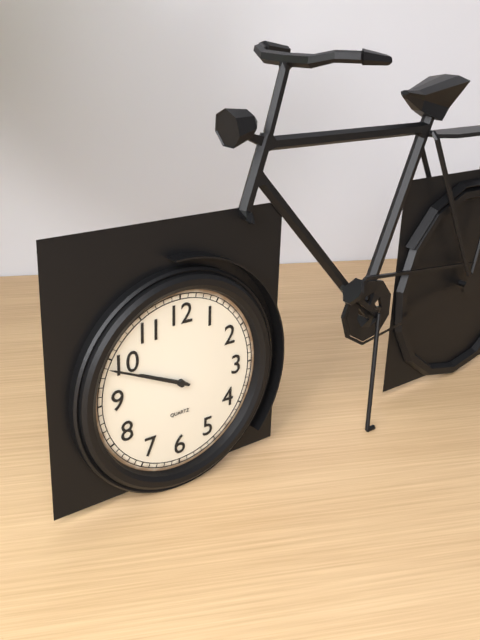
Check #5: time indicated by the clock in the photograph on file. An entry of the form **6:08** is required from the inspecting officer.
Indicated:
**9:49**
